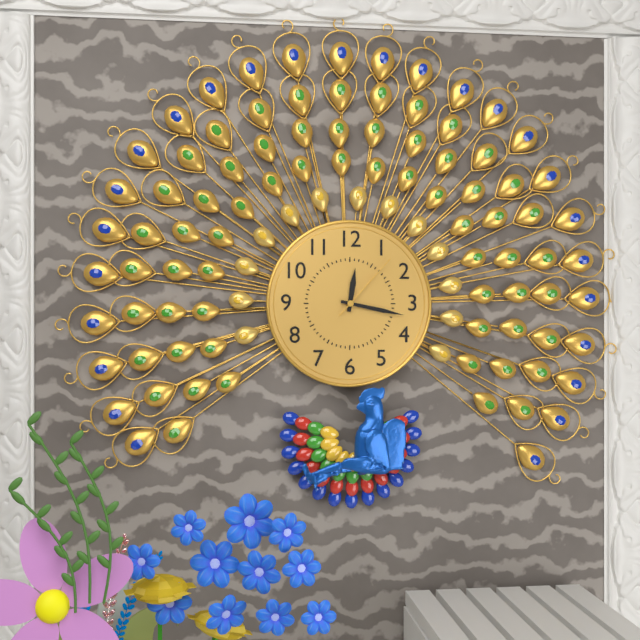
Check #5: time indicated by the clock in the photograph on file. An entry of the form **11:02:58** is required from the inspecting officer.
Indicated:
**12:17:07**
